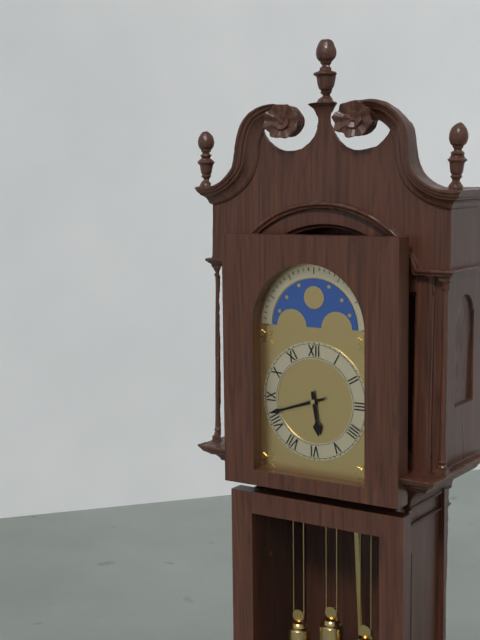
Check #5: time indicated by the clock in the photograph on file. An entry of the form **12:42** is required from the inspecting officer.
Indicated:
**5:42**
